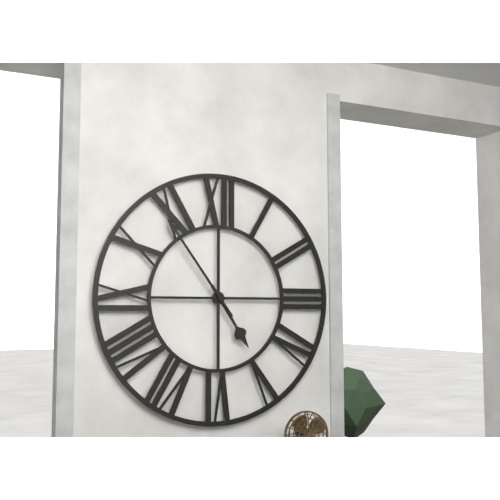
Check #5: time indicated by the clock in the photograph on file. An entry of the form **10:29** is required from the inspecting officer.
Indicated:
**4:54**
